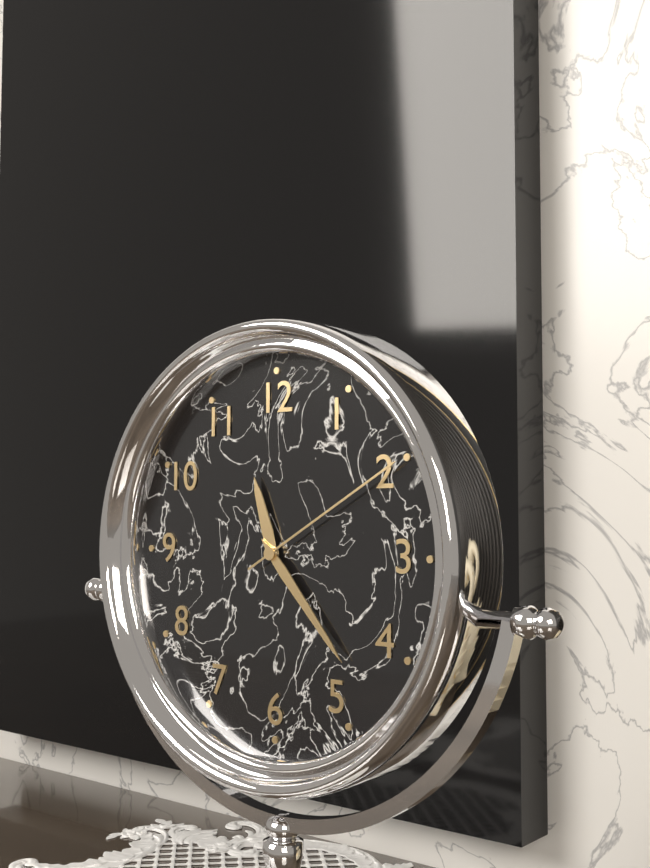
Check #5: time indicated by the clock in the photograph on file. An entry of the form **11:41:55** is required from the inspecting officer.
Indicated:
**11:23:10**
